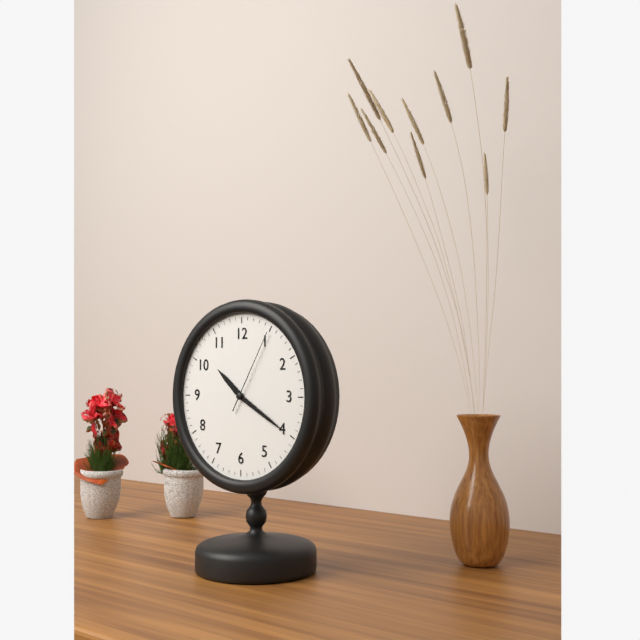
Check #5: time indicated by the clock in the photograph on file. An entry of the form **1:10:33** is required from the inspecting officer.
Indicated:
**10:20:05**
